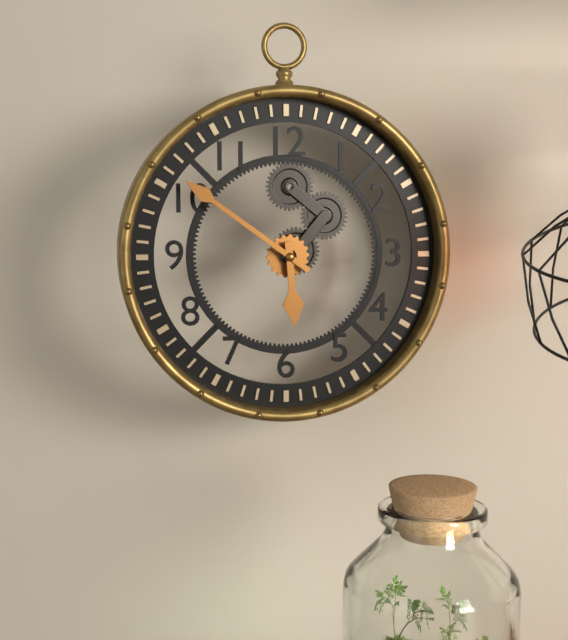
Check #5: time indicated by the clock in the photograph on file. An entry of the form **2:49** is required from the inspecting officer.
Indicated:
**5:51**
